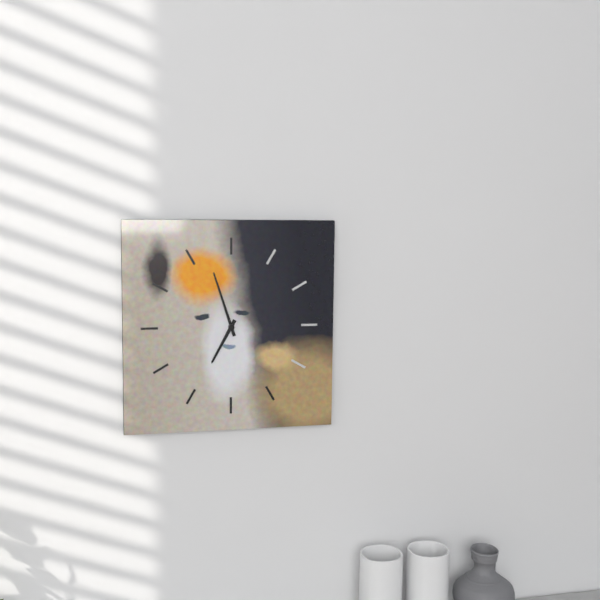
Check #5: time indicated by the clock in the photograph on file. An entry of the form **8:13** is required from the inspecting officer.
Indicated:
**6:57**
